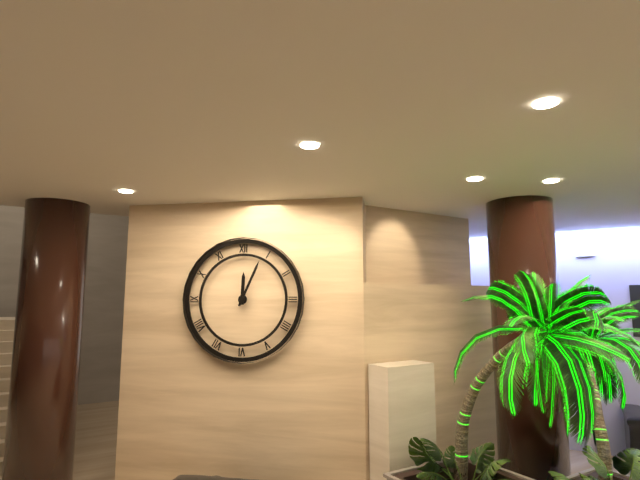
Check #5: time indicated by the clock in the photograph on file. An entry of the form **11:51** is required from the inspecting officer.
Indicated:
**12:04**
